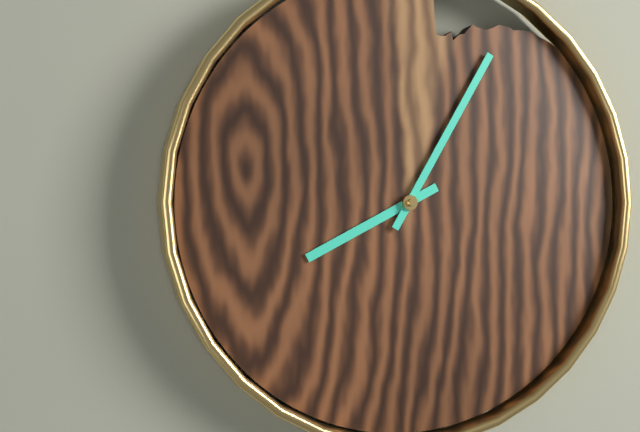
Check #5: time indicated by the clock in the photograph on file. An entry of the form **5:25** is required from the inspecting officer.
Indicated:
**8:05**
